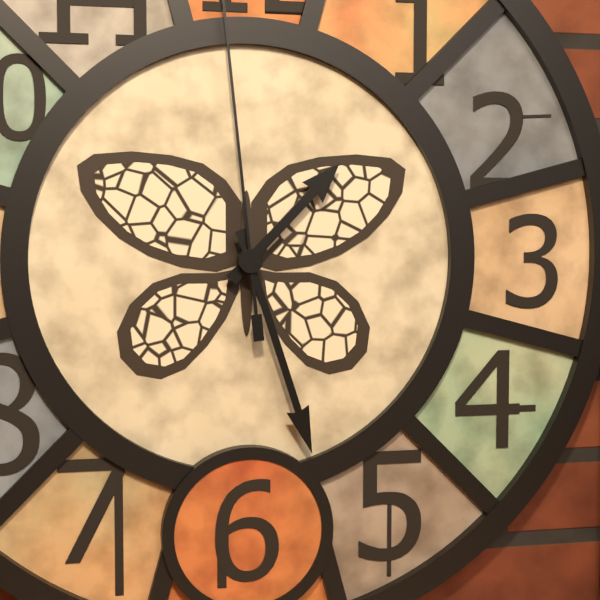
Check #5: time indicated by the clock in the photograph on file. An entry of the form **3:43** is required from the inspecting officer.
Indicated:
**1:27**
